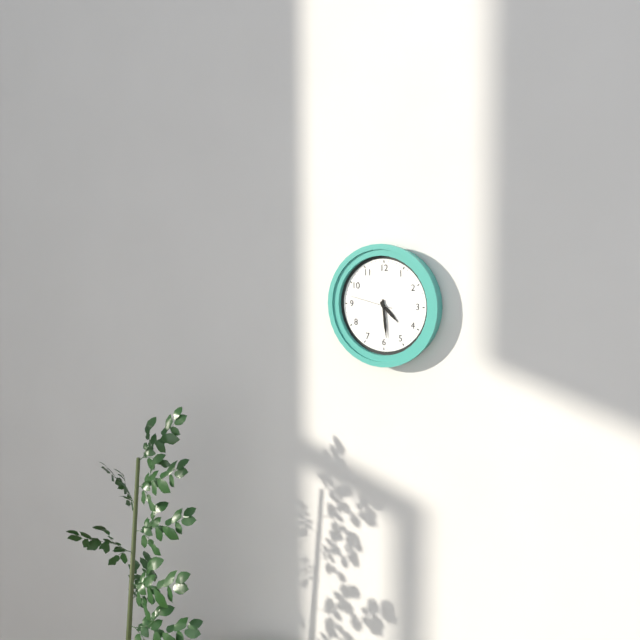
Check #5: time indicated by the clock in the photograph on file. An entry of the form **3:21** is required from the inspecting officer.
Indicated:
**4:29**
